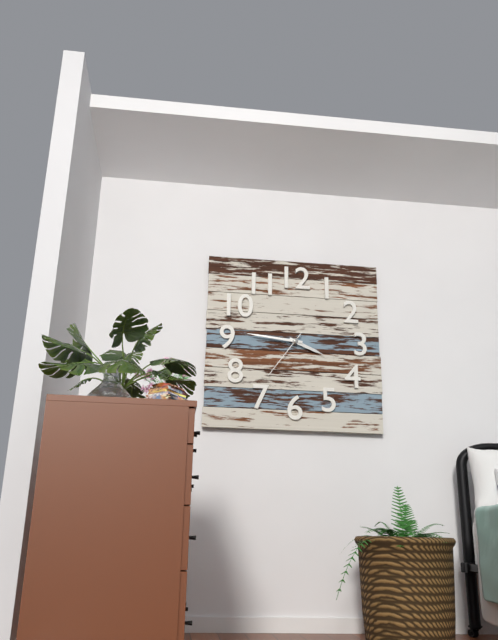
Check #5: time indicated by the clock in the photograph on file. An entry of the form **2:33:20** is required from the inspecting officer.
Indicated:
**3:46:36**
